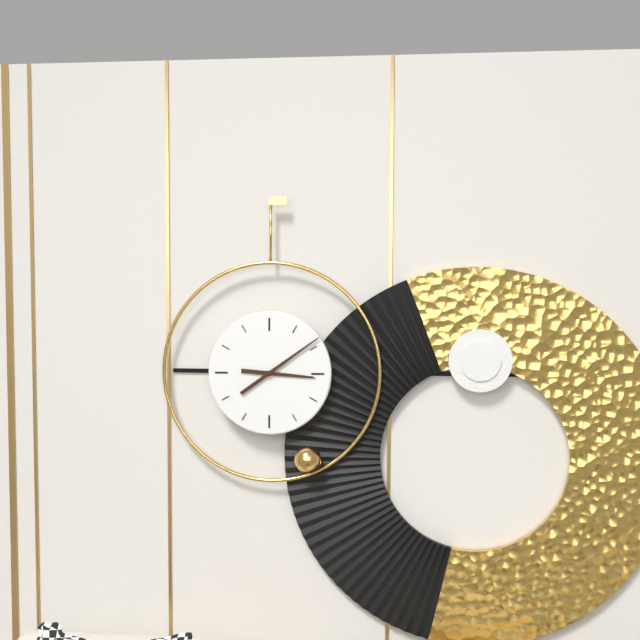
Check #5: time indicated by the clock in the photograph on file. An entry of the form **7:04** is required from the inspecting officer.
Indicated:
**3:09**
